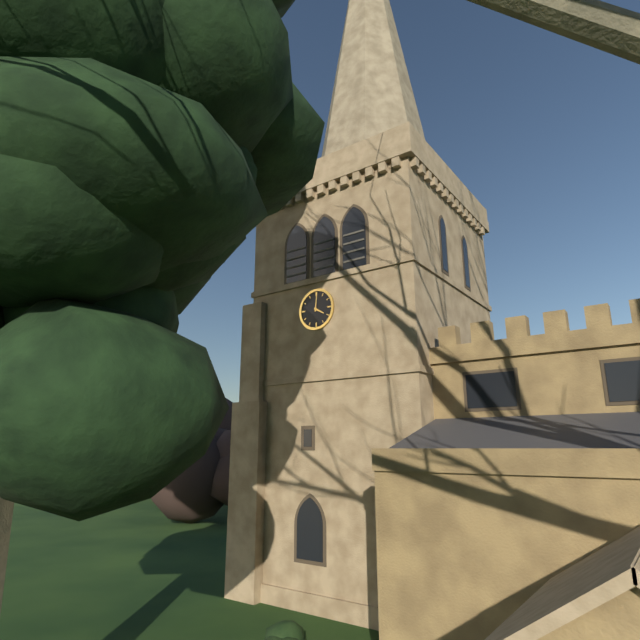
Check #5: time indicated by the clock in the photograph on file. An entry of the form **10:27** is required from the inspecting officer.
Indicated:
**4:01**
